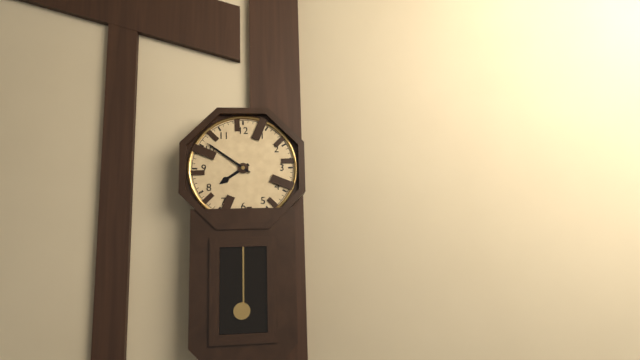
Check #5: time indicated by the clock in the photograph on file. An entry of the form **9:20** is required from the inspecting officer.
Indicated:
**7:51**
